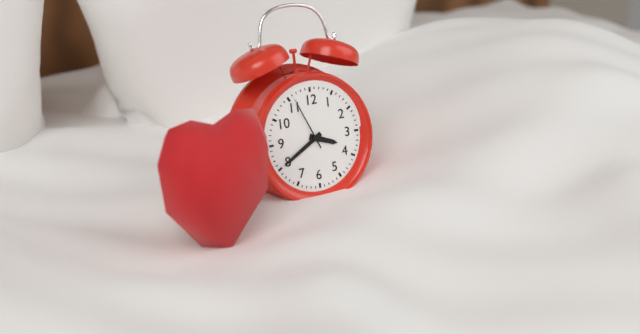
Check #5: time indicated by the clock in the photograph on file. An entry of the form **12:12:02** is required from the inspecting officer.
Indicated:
**3:40:56**
